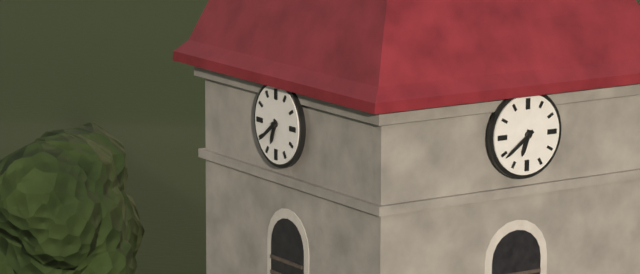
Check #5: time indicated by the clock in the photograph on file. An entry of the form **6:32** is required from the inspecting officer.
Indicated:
**6:39**
